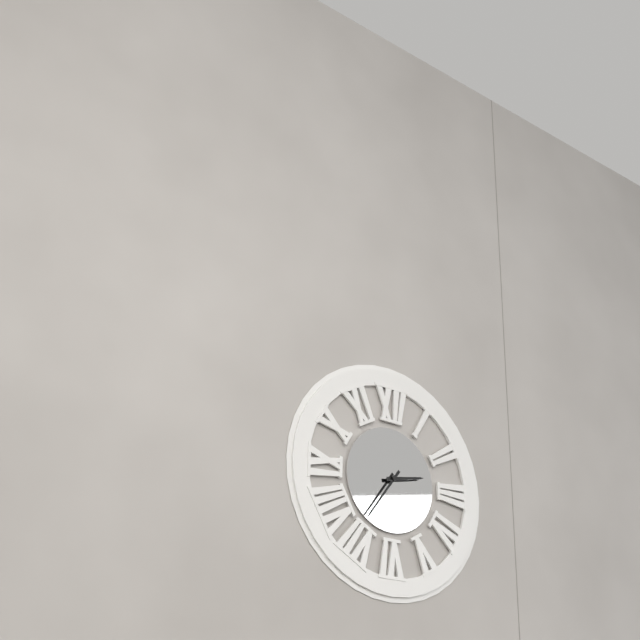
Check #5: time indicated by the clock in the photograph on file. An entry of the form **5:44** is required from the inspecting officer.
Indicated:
**2:36**
